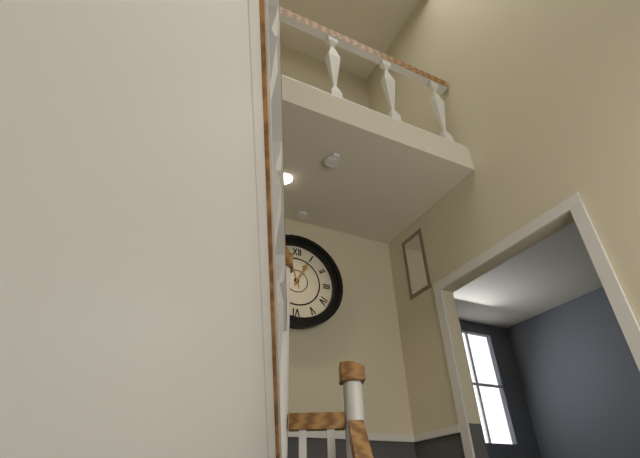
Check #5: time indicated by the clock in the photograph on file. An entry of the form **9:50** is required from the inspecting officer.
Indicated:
**12:57**
